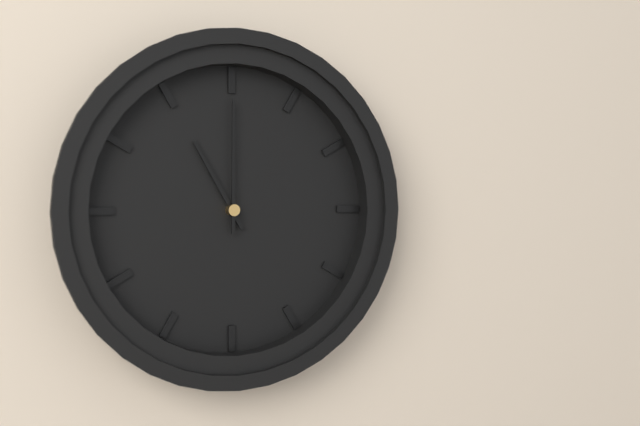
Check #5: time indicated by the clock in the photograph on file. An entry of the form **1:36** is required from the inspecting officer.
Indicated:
**11:00**
